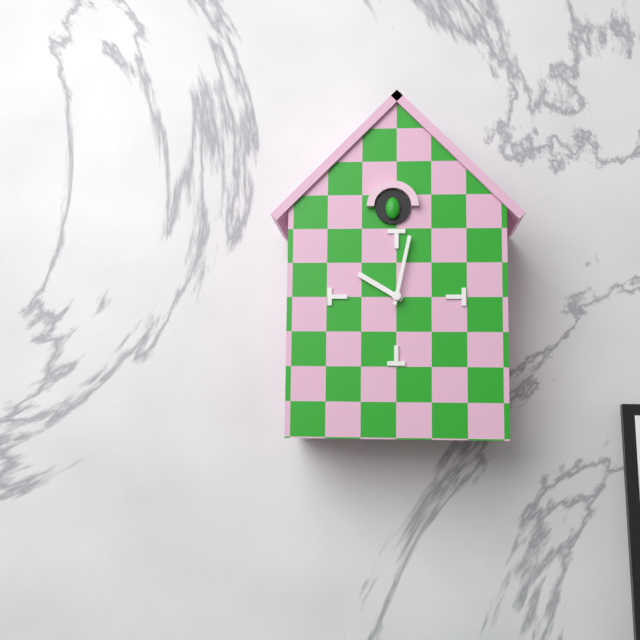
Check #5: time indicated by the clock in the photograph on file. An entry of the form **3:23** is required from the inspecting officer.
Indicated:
**10:02**
